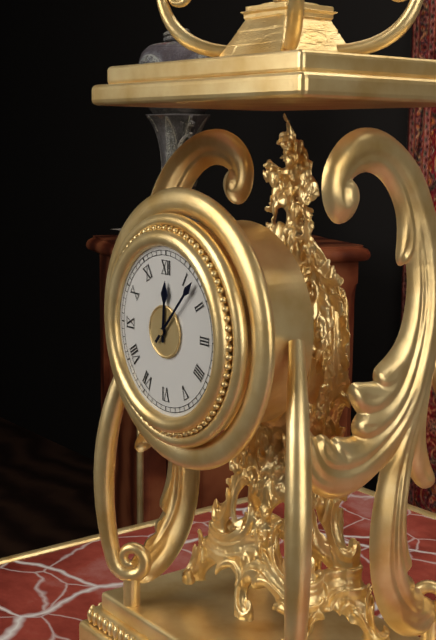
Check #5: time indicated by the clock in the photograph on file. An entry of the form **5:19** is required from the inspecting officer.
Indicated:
**12:07**
